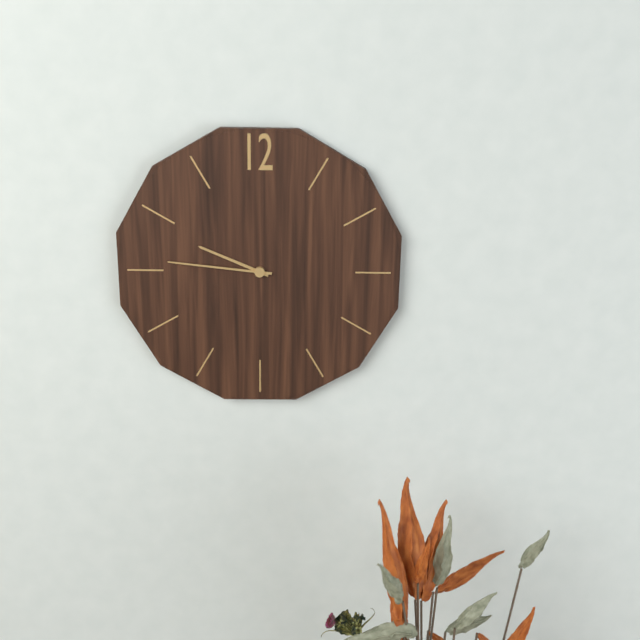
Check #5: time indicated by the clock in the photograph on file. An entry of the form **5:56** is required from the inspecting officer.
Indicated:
**9:46**
